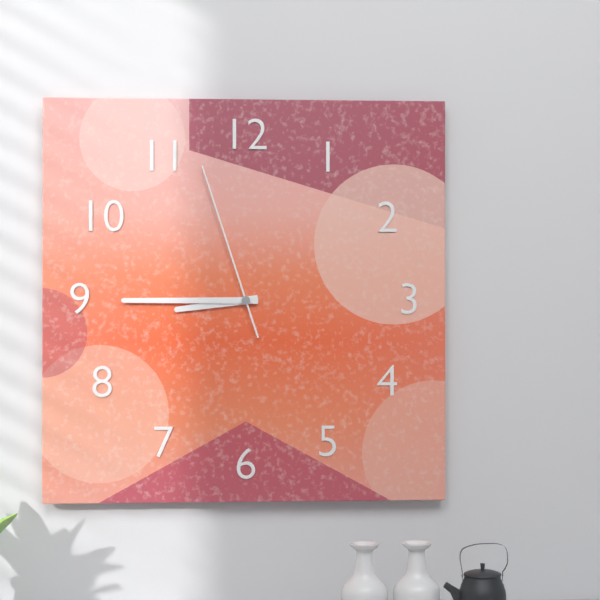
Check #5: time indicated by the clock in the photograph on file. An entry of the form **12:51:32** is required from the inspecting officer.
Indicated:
**8:45:57**
